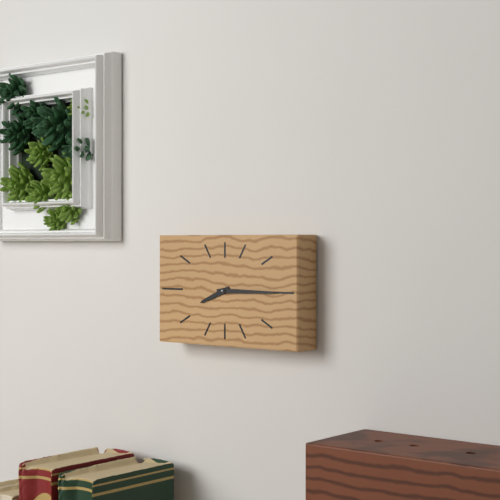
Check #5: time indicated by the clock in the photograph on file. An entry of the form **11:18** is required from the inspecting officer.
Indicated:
**8:15**
